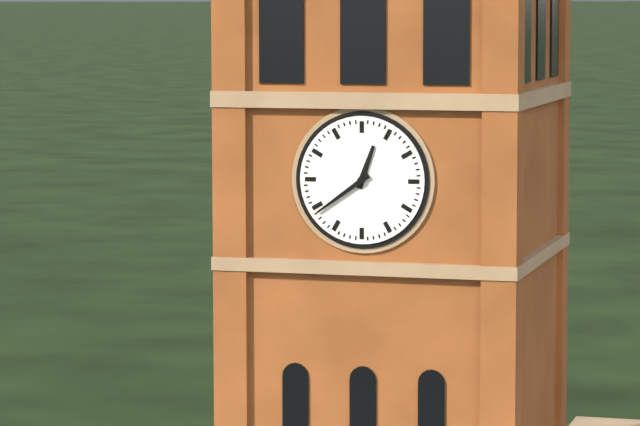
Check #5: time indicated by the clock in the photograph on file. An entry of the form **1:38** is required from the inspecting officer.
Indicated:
**12:39**
